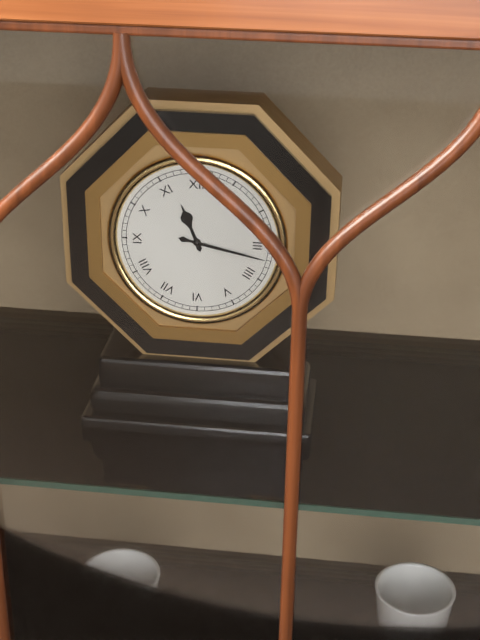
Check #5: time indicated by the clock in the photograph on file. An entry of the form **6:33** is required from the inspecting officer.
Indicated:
**11:17**
